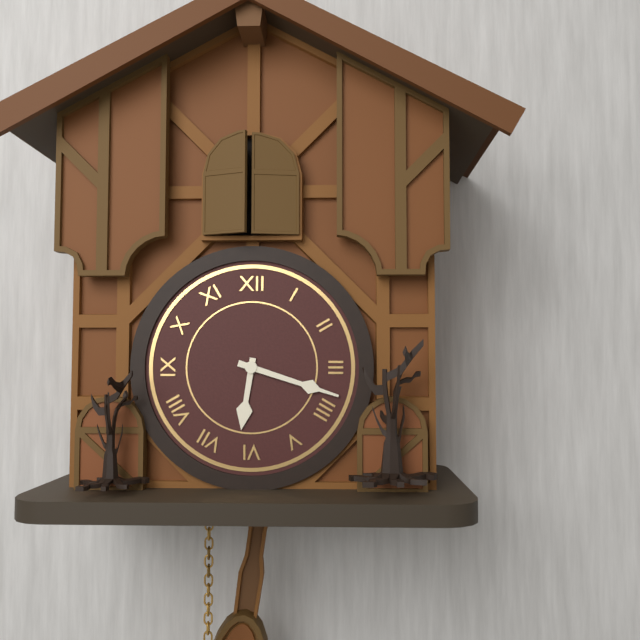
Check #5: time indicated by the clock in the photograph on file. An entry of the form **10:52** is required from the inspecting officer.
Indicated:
**6:18**
